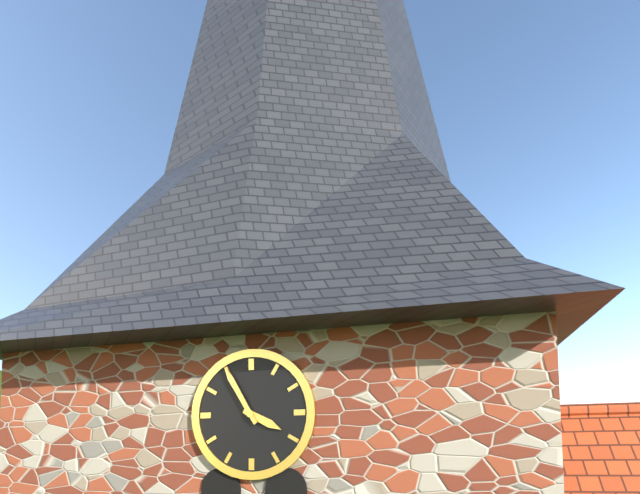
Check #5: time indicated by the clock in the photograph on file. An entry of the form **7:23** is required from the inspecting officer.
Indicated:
**3:55**
